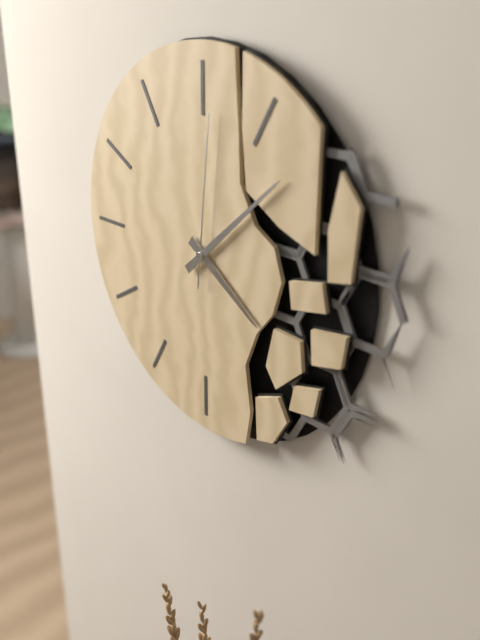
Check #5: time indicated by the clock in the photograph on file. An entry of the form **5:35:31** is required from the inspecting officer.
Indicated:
**4:08:01**
